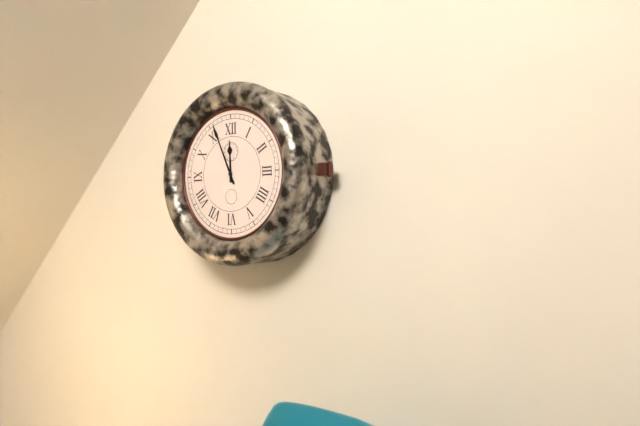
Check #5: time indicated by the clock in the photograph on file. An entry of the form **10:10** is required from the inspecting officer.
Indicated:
**11:56**
